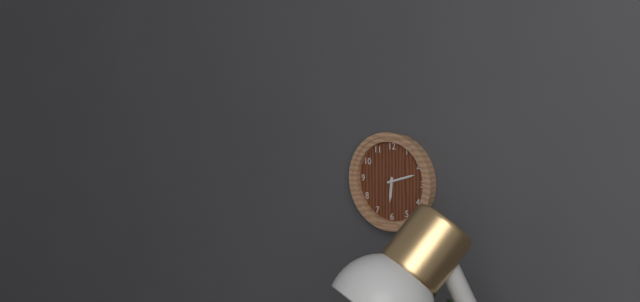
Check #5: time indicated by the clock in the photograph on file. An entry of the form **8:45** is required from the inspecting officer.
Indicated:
**6:12**
